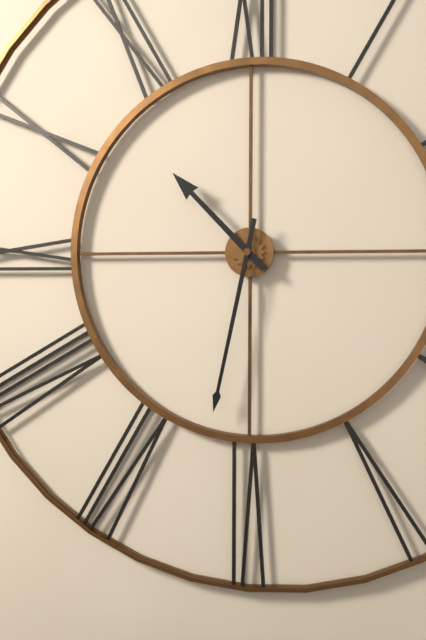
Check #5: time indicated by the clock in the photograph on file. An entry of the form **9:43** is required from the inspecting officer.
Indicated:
**10:32**
